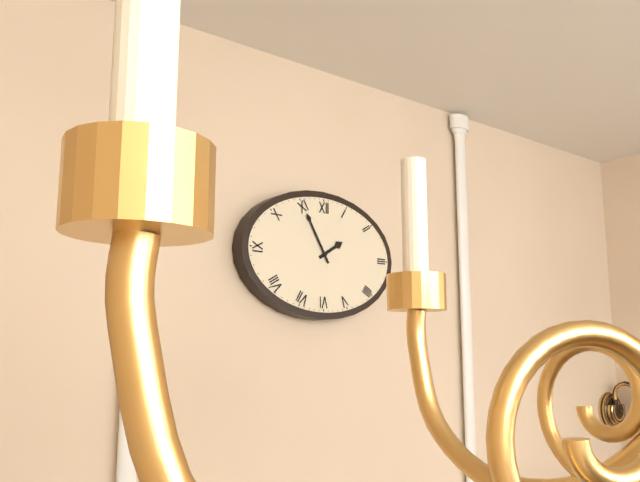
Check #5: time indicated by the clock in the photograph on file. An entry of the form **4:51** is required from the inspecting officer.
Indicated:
**1:55**
